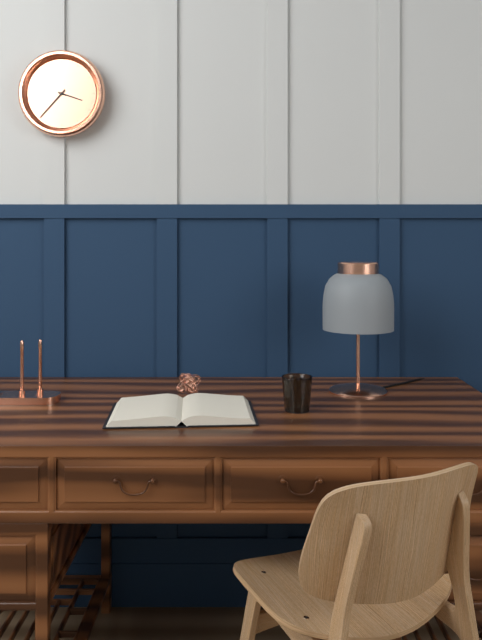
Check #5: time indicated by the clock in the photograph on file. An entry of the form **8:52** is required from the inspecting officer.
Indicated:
**3:37**
